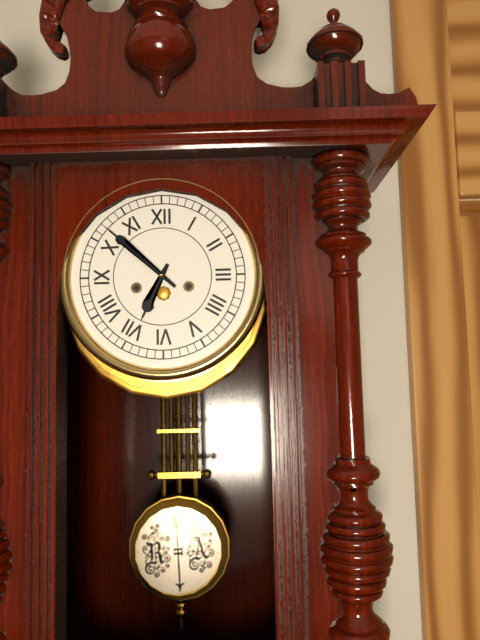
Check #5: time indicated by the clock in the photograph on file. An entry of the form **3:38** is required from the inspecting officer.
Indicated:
**6:52**
